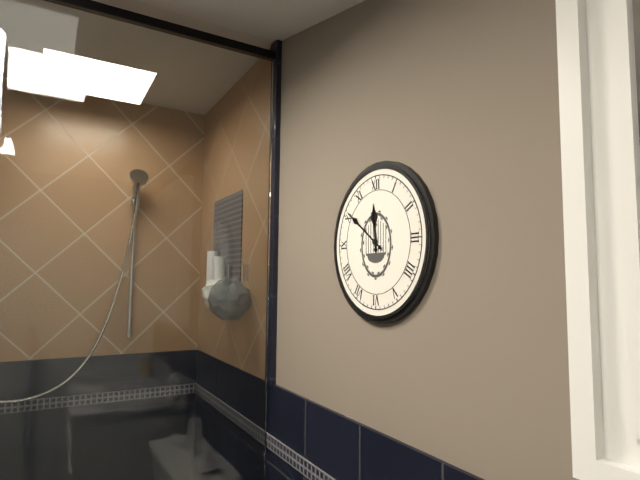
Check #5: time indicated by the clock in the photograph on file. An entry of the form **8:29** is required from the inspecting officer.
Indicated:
**11:51**
